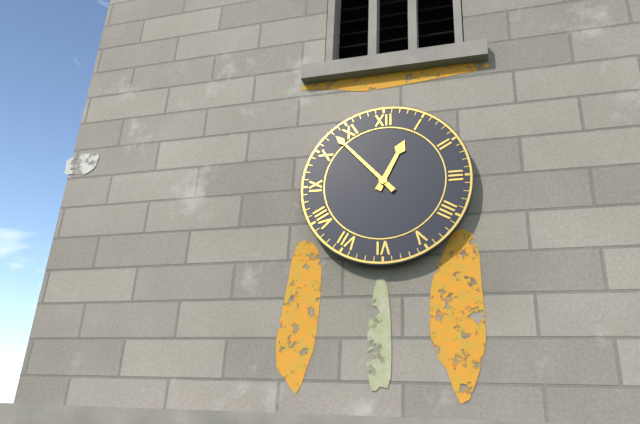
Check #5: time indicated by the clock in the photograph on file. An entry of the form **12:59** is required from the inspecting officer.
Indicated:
**12:53**
